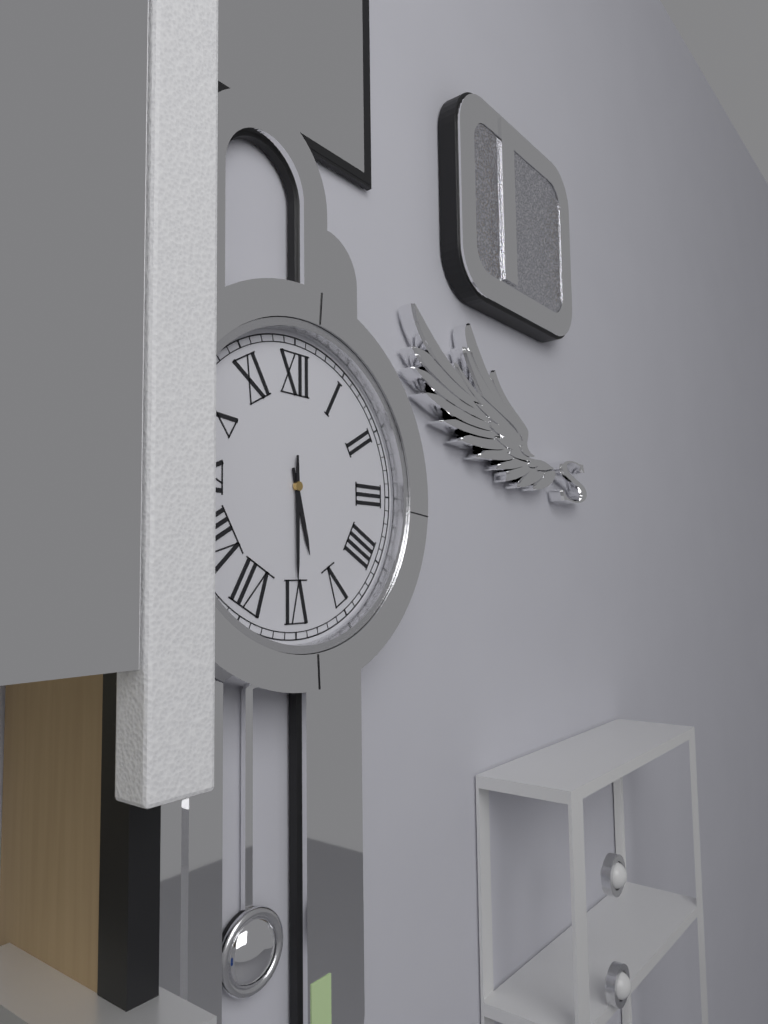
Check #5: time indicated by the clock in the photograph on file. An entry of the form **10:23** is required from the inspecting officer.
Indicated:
**5:30**
